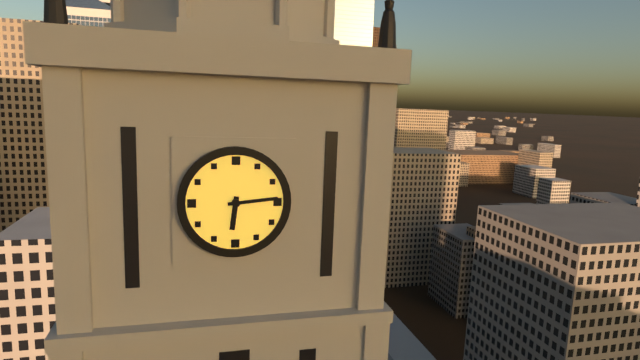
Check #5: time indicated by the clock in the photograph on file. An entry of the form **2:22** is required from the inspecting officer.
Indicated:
**6:14**
